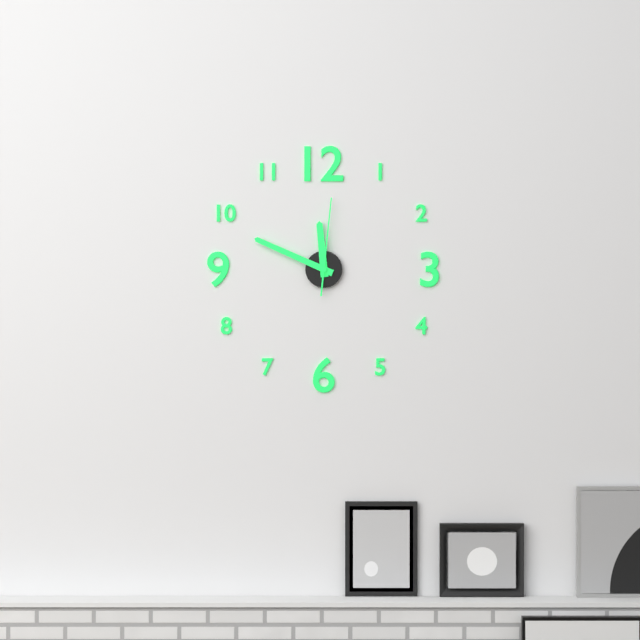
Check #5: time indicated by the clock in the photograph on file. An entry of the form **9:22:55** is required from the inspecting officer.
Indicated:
**11:49:01**
